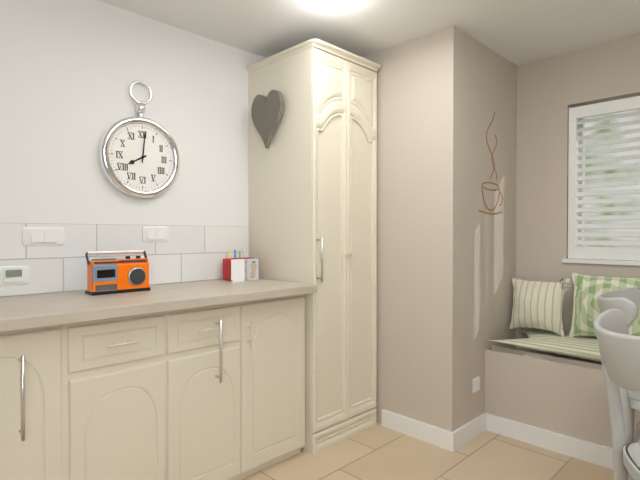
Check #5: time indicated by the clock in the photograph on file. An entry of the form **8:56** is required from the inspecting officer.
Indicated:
**8:01**
